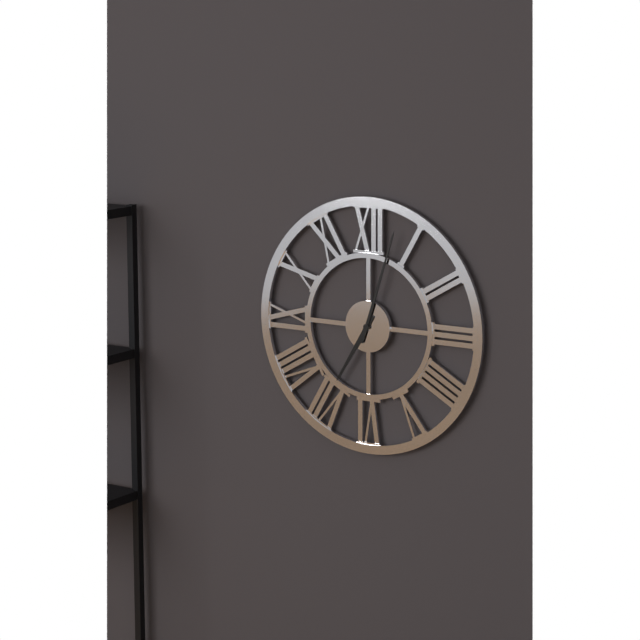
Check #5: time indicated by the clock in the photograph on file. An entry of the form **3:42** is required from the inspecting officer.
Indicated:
**7:03**
